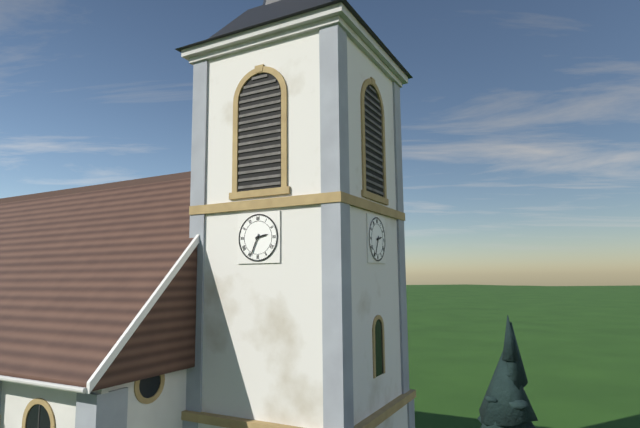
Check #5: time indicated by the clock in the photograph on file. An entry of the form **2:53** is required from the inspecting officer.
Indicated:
**2:34**
